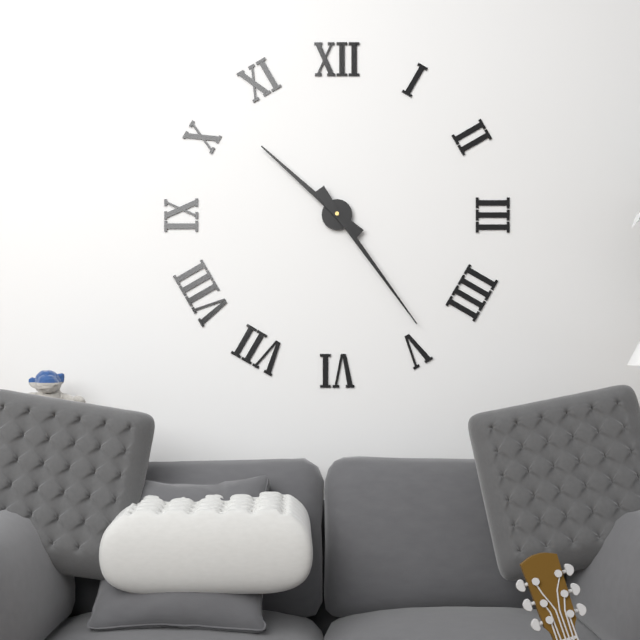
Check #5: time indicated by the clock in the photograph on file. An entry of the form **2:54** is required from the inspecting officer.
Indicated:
**10:24**
